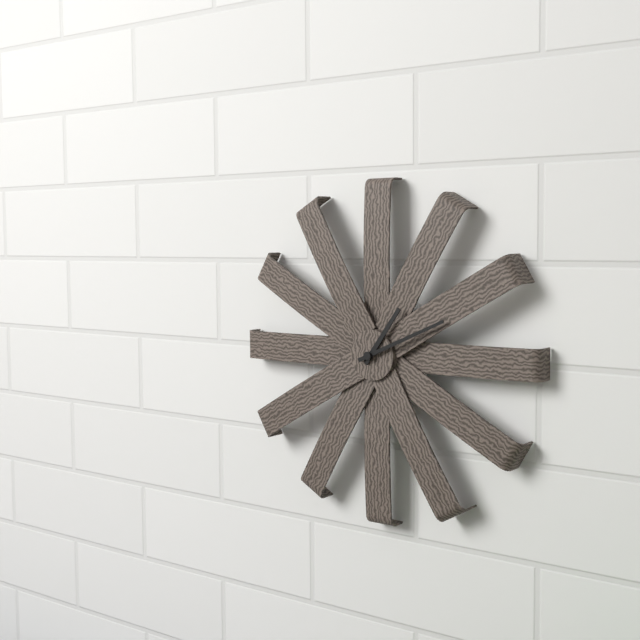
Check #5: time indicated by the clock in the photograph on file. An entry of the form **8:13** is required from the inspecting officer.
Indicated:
**1:11**
